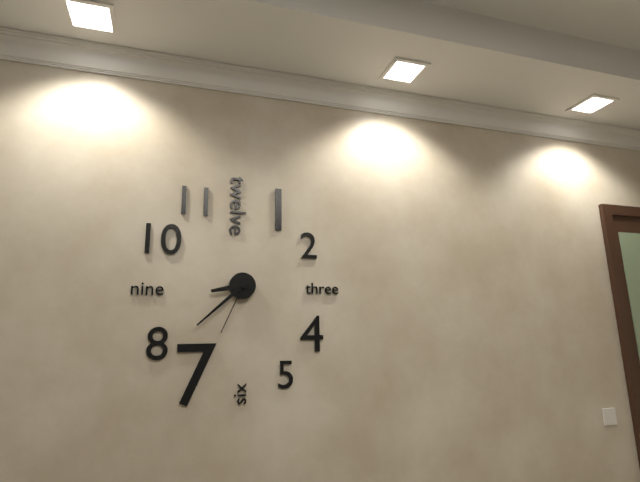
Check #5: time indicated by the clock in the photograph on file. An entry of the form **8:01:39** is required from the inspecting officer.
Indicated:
**8:38:34**
